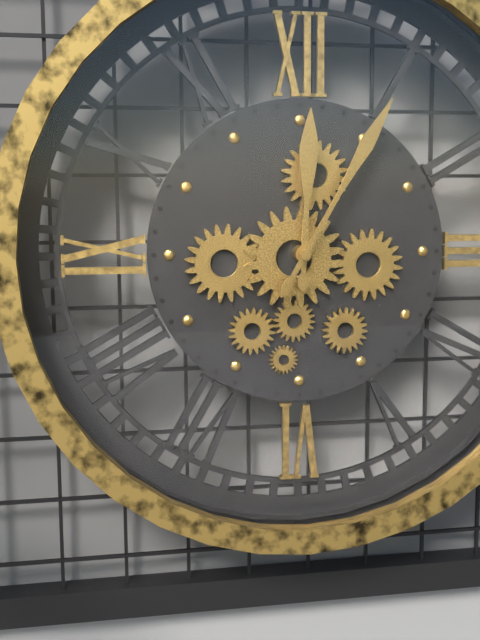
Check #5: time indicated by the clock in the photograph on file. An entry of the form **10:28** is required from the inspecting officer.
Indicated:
**12:05**
